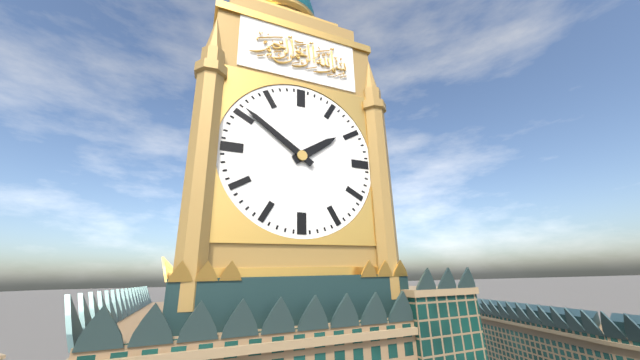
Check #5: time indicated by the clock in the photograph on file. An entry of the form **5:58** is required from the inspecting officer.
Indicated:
**1:51**
